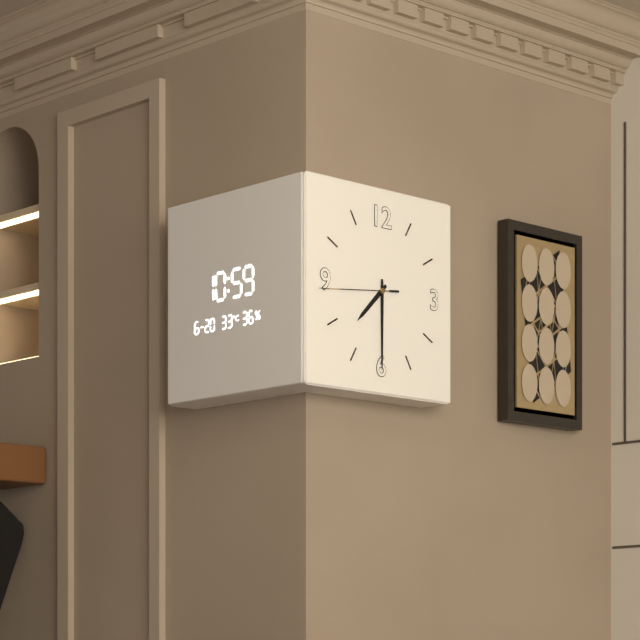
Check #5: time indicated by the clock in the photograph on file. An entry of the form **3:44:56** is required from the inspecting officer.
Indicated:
**7:30:44**
